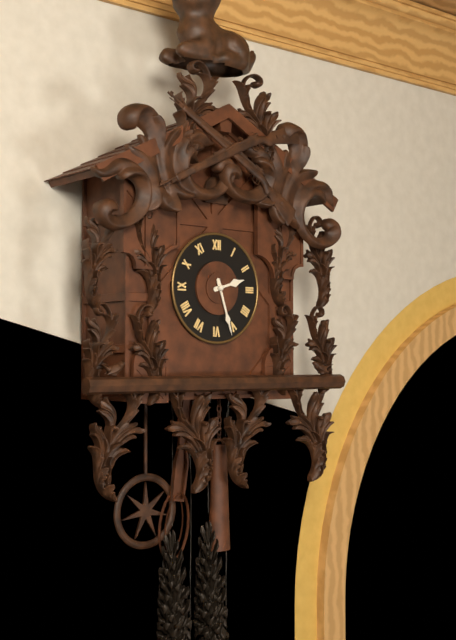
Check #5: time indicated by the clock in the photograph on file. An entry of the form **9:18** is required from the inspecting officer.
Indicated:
**2:27**
